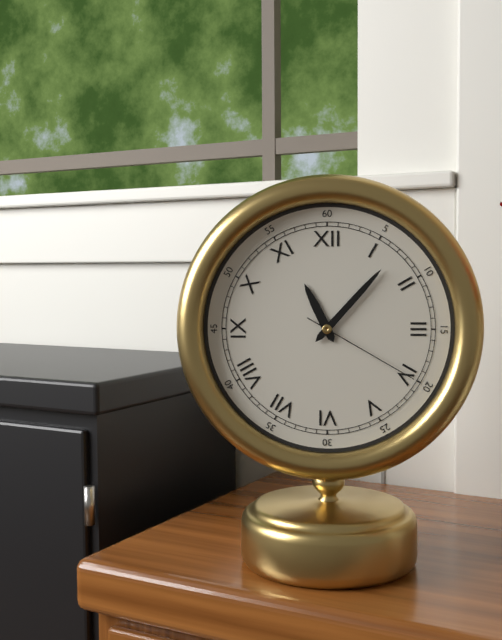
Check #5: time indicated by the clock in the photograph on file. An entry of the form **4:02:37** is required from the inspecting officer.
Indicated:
**11:07:20**
